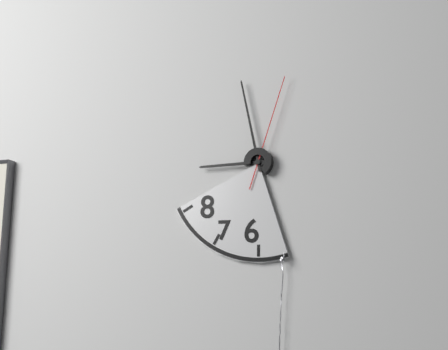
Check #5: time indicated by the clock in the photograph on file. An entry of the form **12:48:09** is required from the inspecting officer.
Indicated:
**8:58:03**
